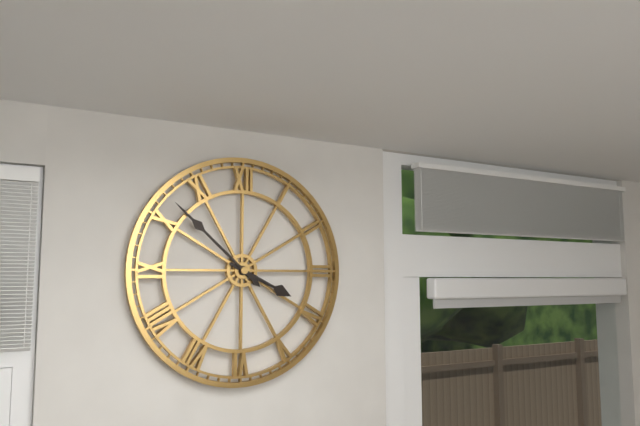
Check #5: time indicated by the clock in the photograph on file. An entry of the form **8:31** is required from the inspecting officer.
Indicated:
**3:52**
